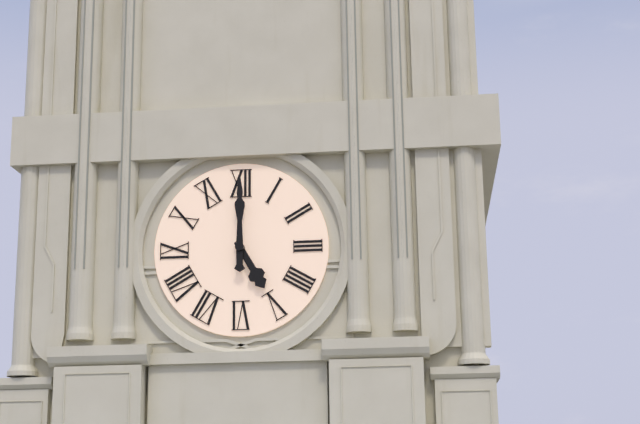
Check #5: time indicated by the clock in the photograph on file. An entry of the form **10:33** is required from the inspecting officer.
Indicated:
**5:00**
